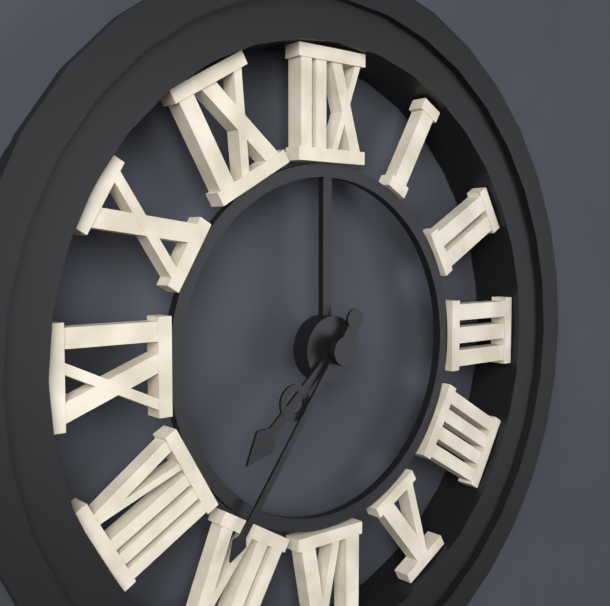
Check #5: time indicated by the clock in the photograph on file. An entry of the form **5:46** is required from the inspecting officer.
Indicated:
**7:36**
